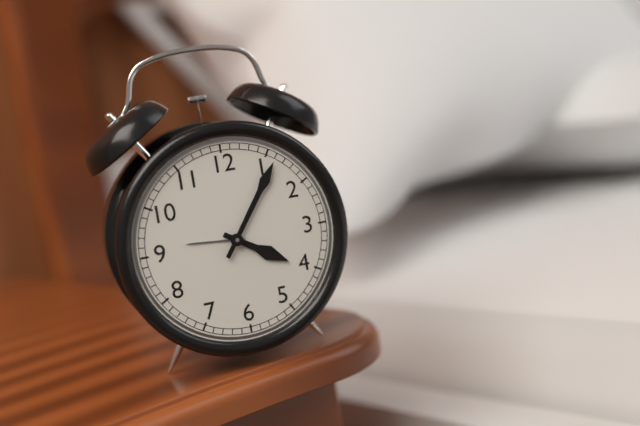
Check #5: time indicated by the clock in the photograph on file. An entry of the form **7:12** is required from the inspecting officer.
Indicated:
**4:06**
